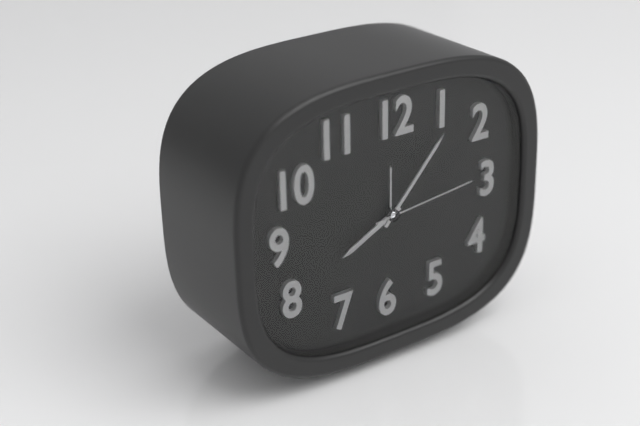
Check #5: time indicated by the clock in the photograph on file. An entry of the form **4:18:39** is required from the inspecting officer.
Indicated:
**8:07:14**
